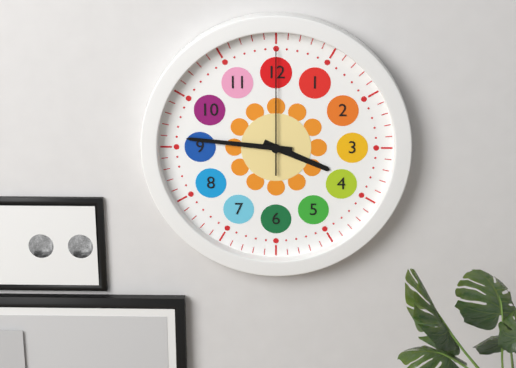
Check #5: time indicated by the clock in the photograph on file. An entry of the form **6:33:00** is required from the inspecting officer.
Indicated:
**3:46:00**
